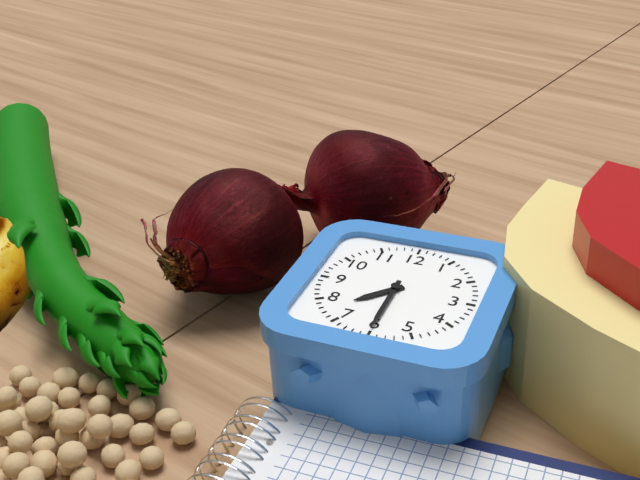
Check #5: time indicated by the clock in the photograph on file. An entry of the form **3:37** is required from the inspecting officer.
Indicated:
**7:30**
